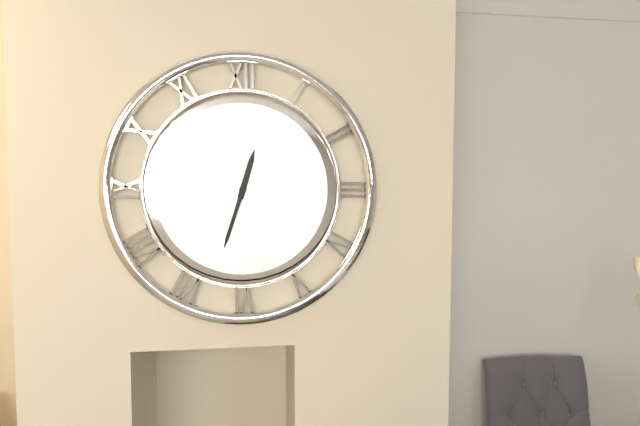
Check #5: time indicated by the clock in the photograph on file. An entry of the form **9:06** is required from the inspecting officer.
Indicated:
**12:33**
